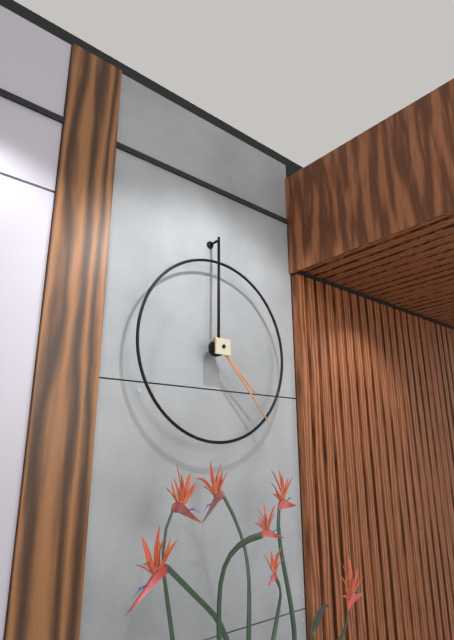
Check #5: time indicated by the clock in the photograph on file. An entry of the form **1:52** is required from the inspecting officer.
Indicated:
**4:23**
